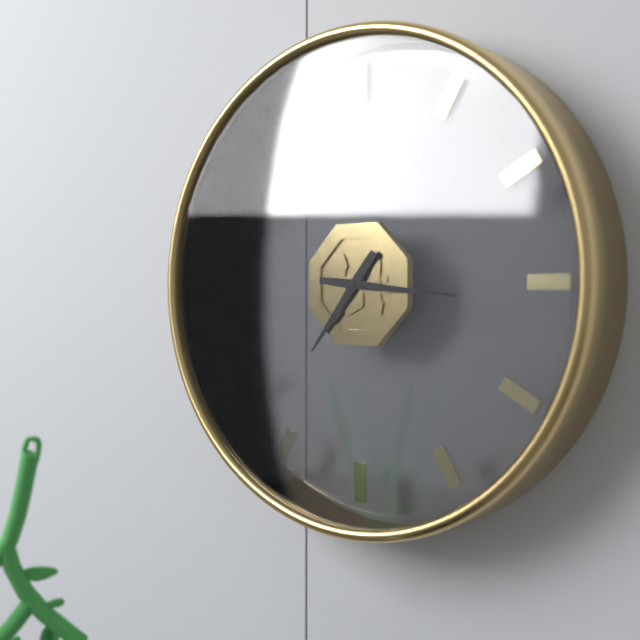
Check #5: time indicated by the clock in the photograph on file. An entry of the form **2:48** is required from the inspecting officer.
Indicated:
**7:16**
